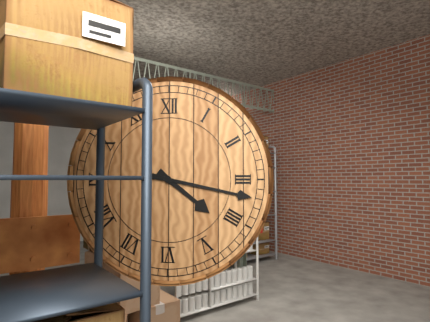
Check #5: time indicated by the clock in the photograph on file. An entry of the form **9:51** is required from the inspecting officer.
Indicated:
**4:17**
